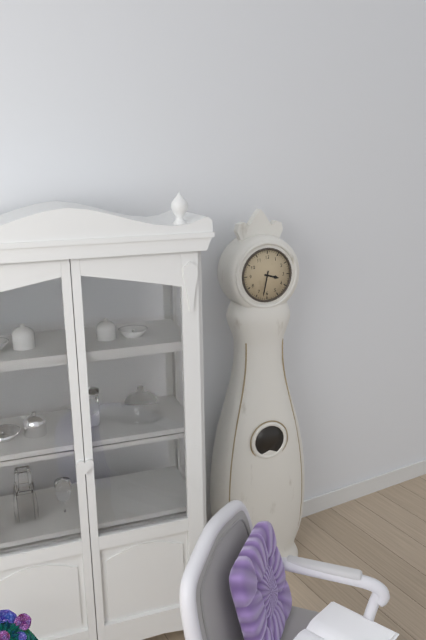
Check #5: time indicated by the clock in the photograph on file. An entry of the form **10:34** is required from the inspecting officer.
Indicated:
**3:32**
